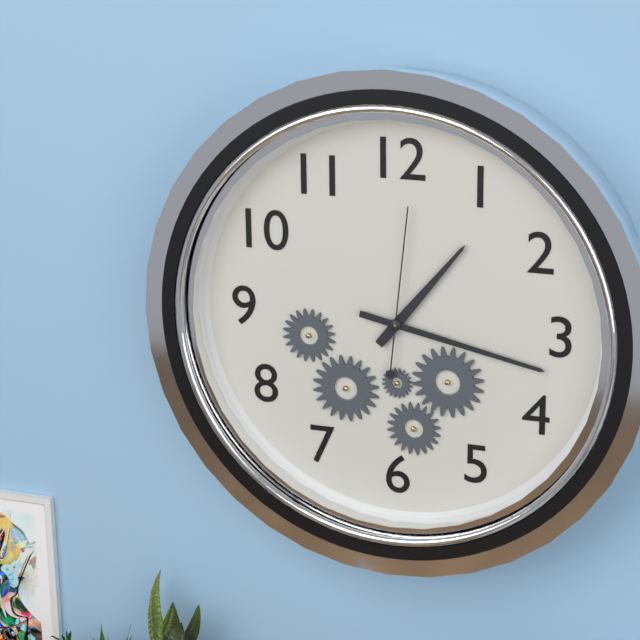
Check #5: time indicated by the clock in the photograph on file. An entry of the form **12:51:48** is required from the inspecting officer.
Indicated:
**1:17:01**
